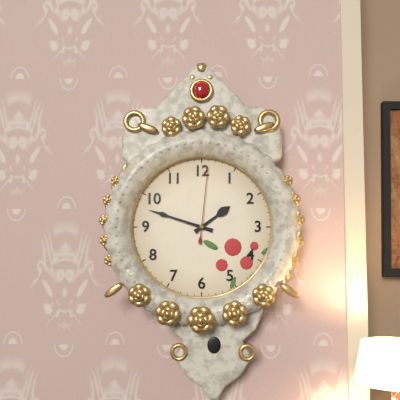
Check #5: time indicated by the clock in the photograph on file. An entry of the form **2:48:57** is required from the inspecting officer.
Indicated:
**1:48:01**
